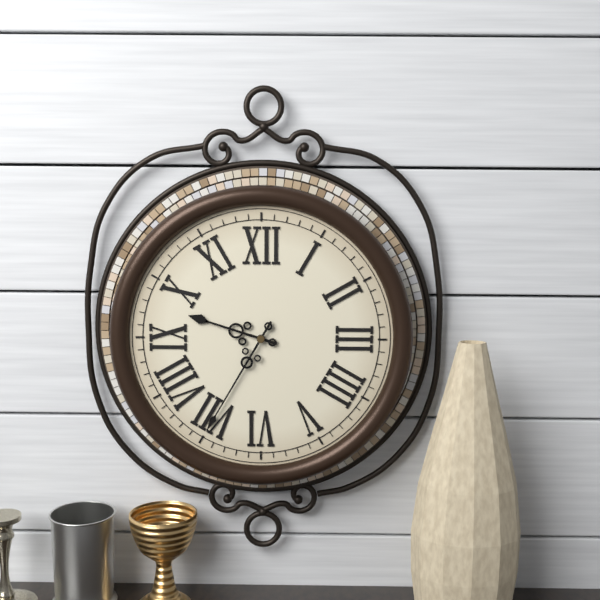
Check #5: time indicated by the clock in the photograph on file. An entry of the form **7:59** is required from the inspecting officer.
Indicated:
**9:35**
